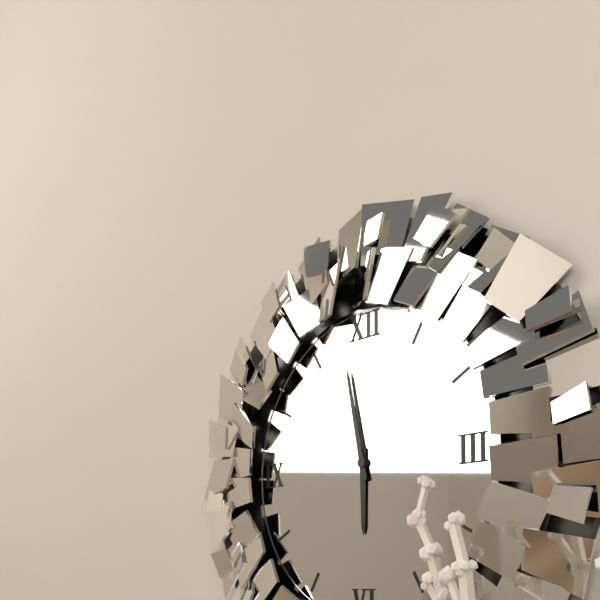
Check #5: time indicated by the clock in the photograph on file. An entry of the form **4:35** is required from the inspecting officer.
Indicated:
**5:58**
